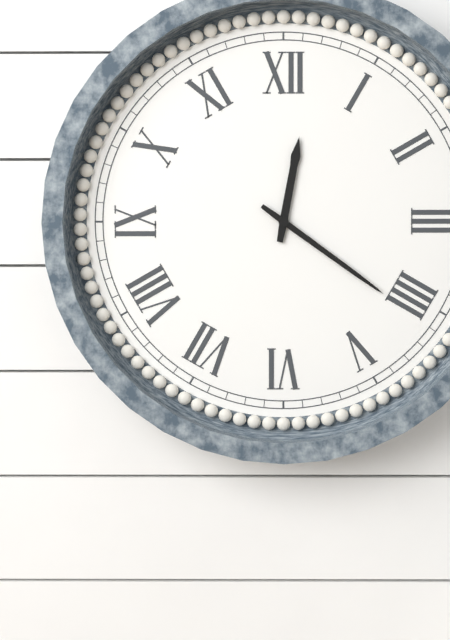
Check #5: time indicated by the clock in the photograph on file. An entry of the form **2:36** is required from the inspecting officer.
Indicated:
**12:21**
